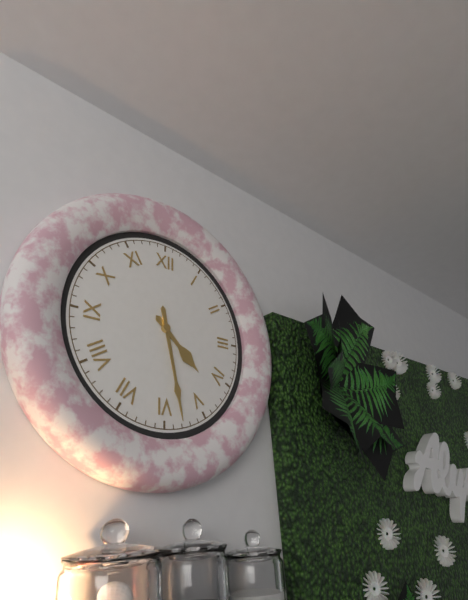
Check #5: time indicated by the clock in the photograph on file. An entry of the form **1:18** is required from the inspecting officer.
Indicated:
**4:28**
